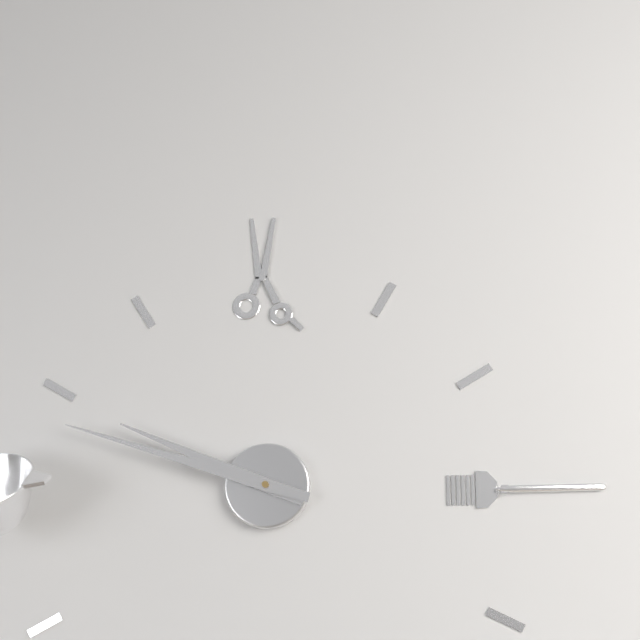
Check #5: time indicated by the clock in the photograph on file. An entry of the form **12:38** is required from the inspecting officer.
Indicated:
**9:48**
